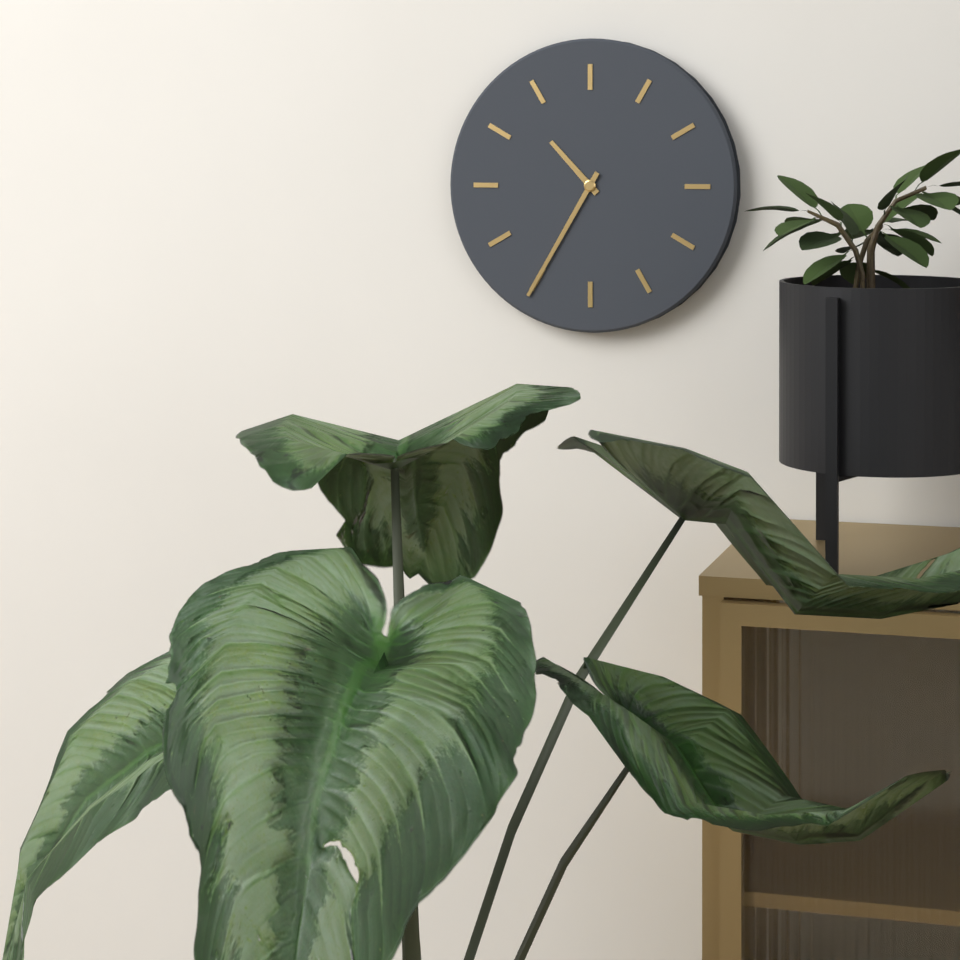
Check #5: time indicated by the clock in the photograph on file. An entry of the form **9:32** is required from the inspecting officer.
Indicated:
**10:35**
